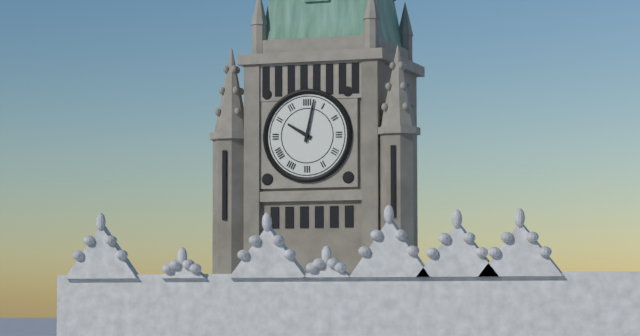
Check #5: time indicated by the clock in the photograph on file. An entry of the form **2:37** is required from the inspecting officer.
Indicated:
**10:02**
